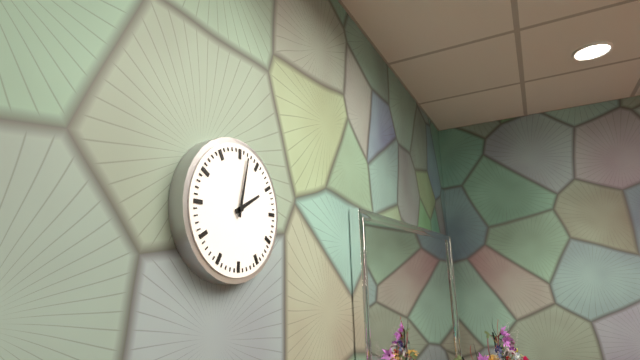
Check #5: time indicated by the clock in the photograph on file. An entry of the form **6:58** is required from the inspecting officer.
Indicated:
**2:02**
